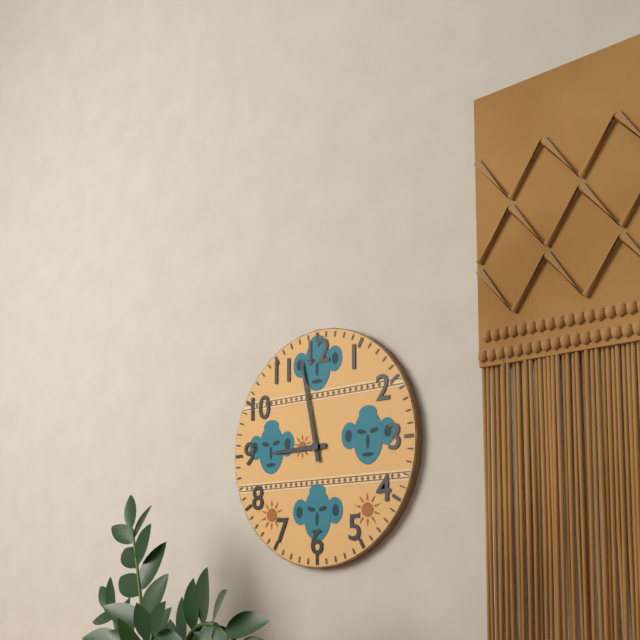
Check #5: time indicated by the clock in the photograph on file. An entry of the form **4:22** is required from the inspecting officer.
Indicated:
**8:58**
